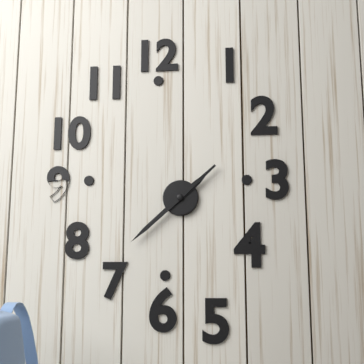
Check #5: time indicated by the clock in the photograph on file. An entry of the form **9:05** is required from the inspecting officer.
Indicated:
**1:38**
